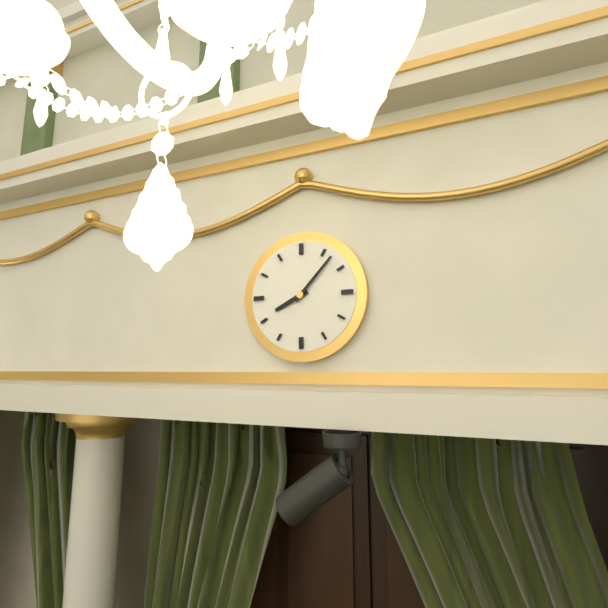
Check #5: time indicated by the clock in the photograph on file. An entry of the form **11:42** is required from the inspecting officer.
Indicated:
**8:07**
